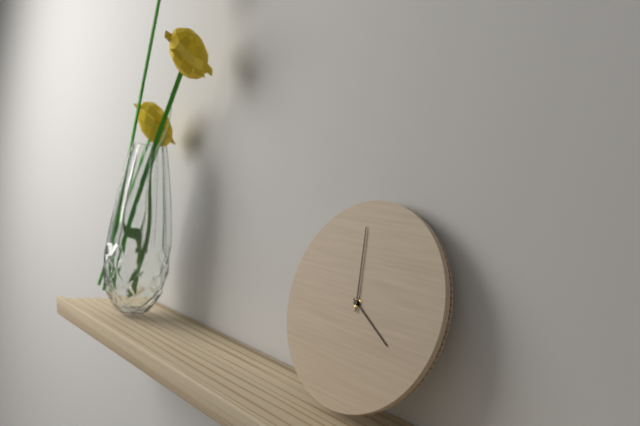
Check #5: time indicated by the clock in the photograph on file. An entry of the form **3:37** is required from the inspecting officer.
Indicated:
**3:58**
